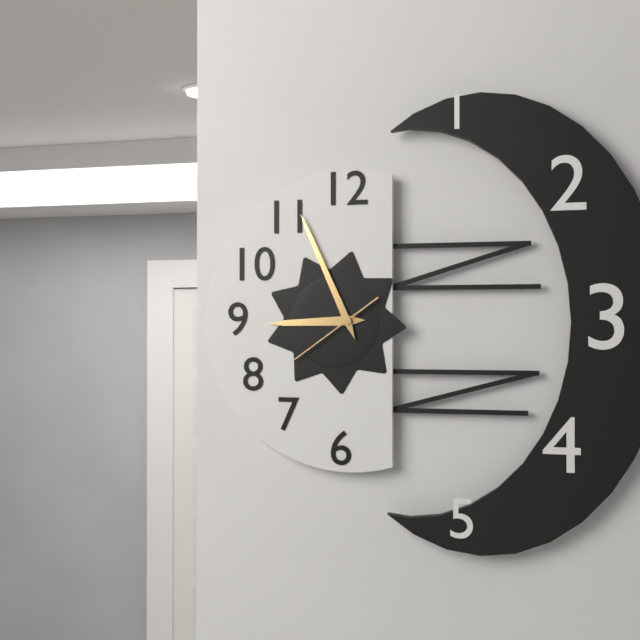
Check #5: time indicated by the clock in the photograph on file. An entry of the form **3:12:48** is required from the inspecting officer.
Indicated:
**8:56:39**
